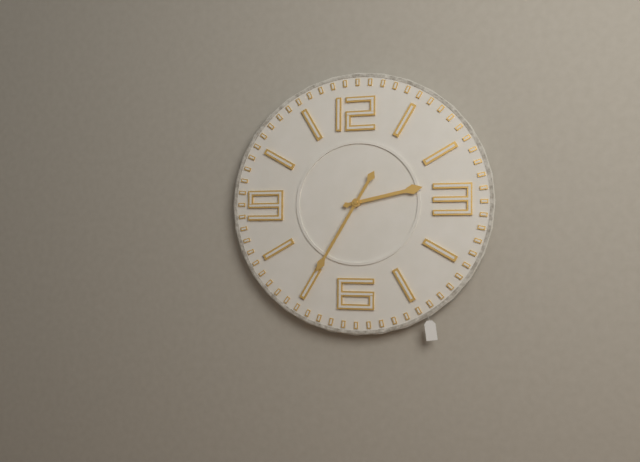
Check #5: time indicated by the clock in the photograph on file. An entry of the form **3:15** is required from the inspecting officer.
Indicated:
**2:35**
